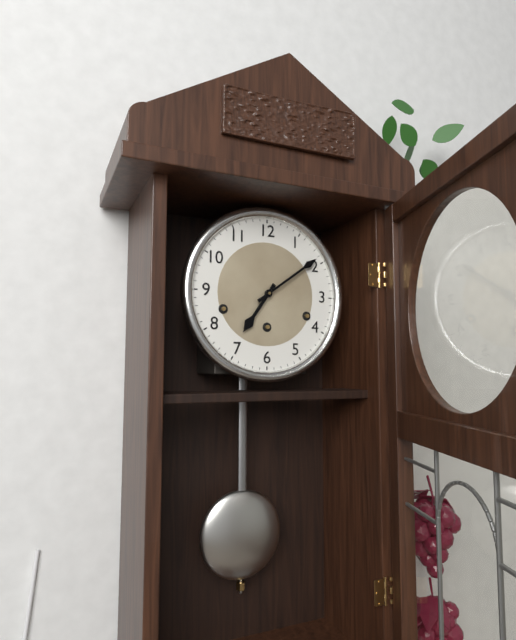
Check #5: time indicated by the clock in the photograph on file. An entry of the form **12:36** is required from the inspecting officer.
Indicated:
**7:09**
